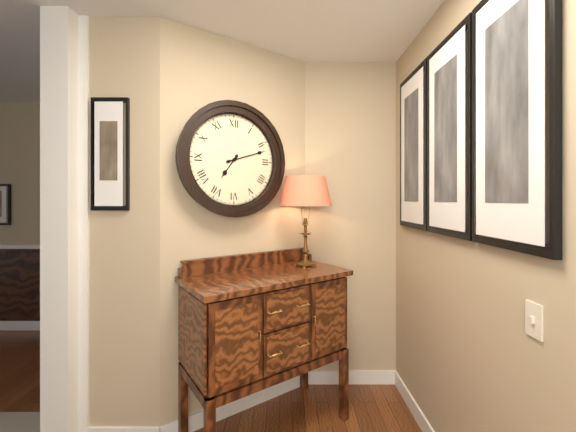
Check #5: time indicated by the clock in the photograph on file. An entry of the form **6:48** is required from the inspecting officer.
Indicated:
**7:12**
